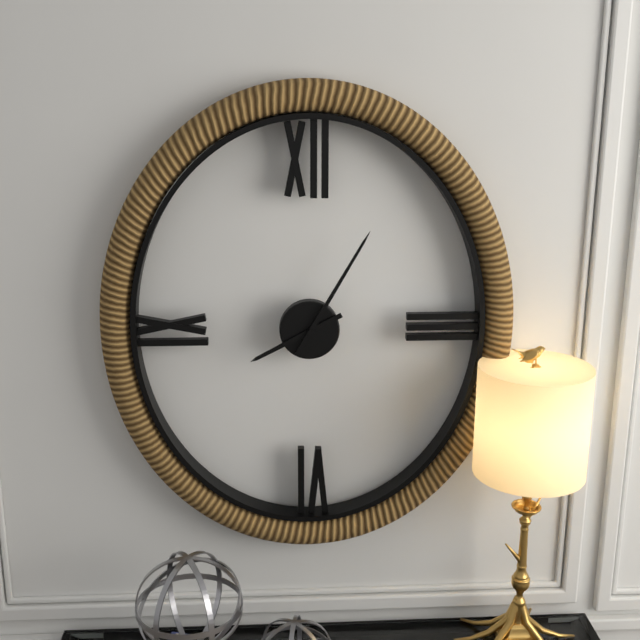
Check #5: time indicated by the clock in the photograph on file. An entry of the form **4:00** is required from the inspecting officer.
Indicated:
**8:05**
